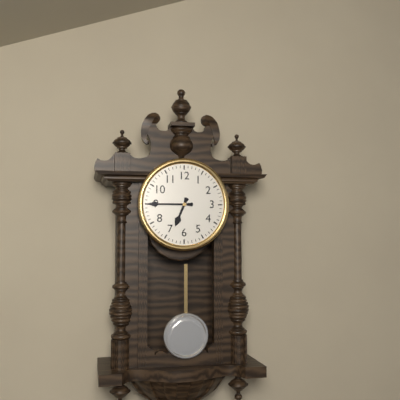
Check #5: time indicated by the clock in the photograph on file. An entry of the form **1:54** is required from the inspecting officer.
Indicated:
**6:45**
